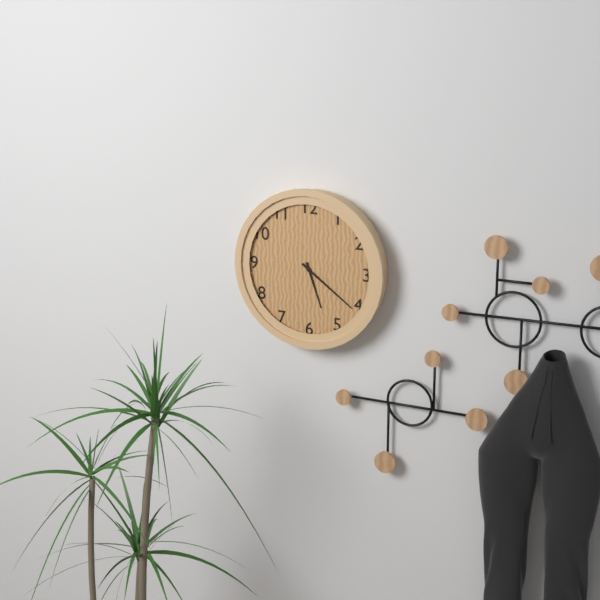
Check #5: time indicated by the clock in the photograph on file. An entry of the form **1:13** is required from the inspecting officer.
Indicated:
**5:21**
